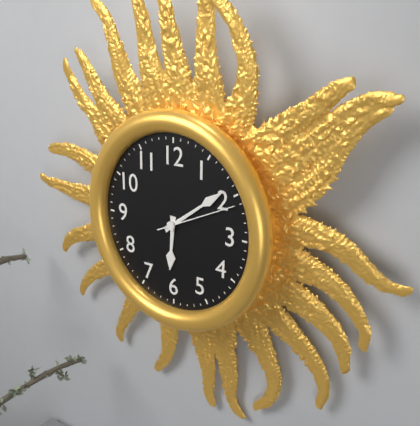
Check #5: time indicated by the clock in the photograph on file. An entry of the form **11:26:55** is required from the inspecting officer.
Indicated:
**6:09:11**
